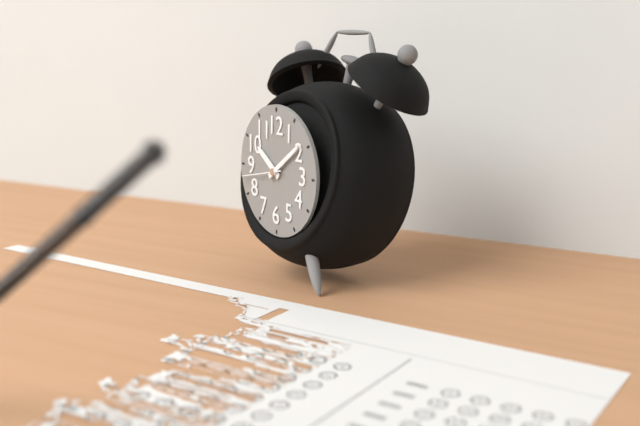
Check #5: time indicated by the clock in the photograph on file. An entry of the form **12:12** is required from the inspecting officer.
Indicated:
**10:09**
